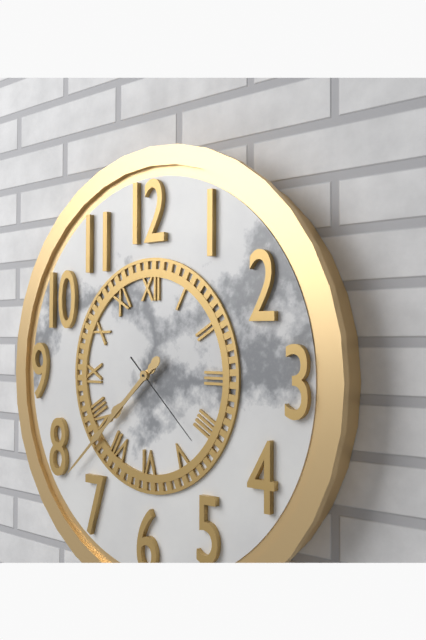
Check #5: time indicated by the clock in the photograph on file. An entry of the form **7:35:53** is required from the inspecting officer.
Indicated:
**7:38:22**
